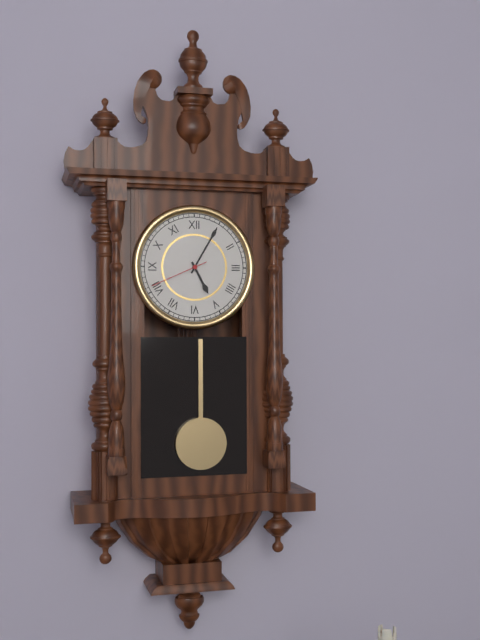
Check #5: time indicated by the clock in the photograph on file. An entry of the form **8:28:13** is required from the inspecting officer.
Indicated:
**5:05:41**
